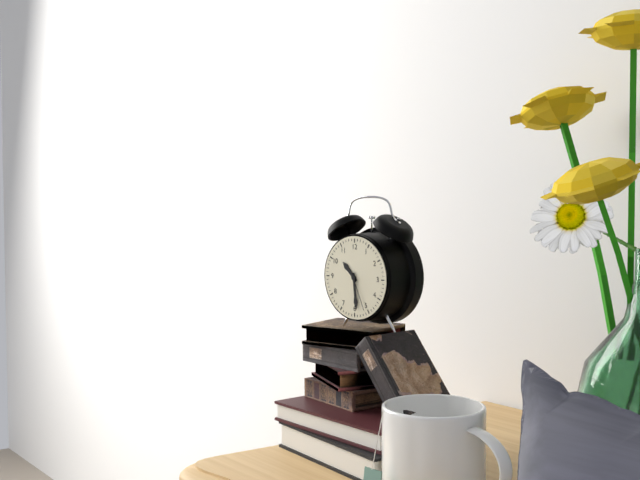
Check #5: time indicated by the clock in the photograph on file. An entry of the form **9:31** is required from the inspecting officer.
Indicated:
**10:29**
